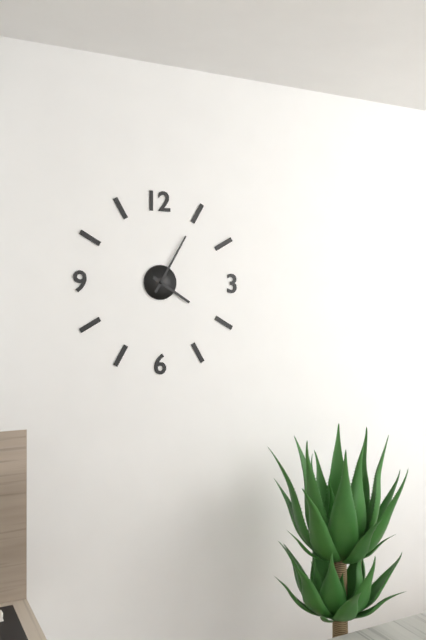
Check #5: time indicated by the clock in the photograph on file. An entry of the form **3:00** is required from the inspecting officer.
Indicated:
**4:05**
